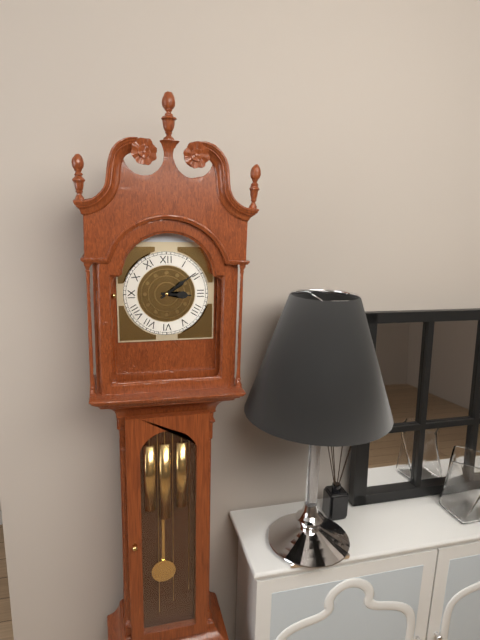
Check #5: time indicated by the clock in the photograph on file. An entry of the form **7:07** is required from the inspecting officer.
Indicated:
**3:09**
